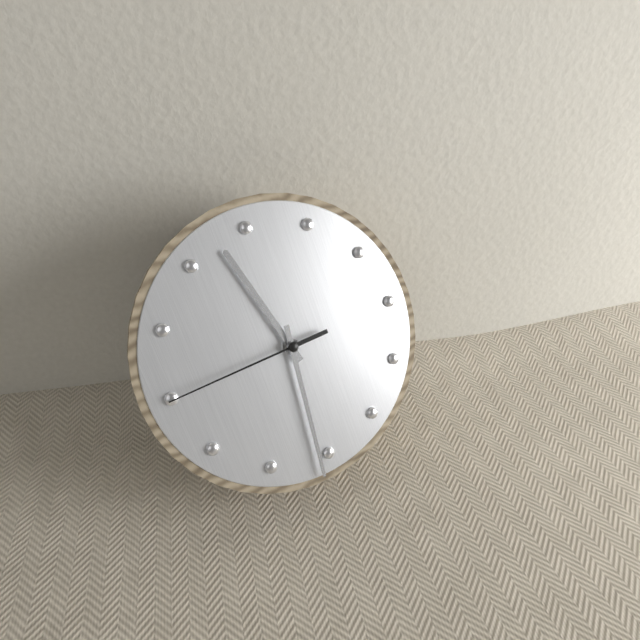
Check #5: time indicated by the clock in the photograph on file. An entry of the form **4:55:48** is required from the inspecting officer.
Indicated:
**11:31:45**
